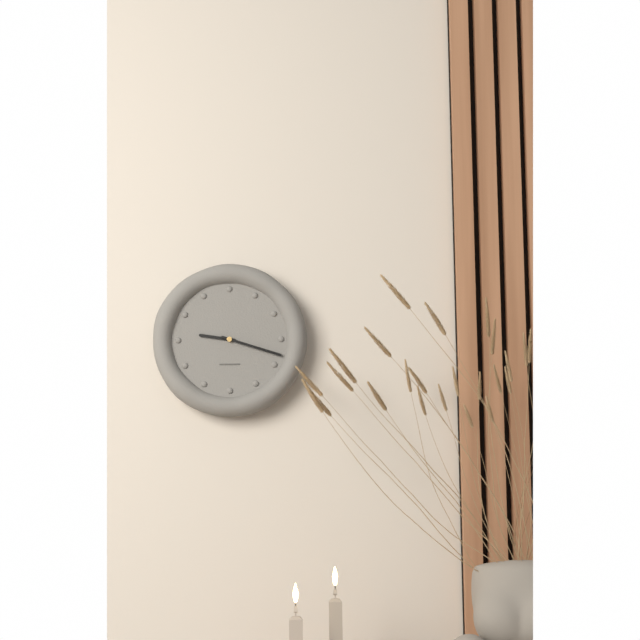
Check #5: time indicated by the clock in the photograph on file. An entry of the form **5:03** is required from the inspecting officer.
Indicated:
**9:18**
